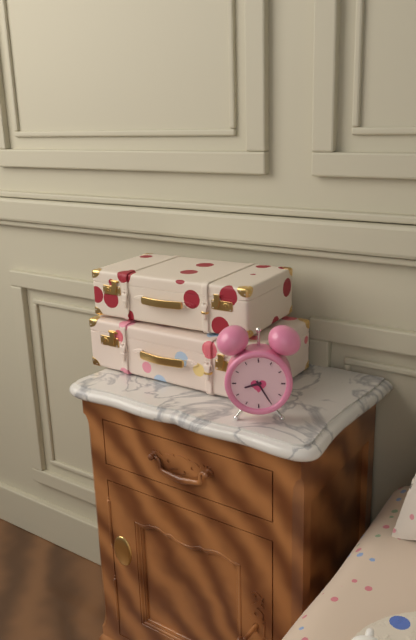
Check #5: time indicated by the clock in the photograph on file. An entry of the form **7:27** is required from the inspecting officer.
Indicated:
**8:25**
